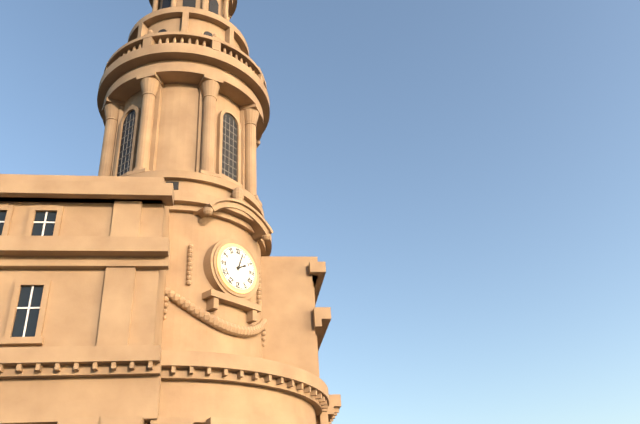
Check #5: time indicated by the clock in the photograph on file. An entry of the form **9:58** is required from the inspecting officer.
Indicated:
**2:03**
